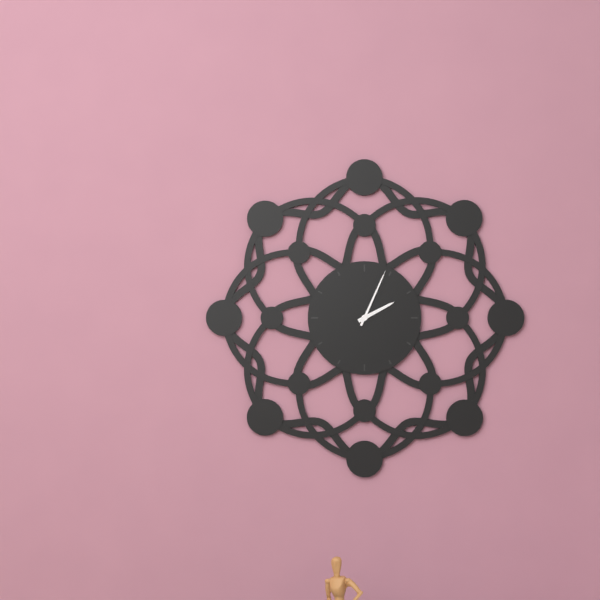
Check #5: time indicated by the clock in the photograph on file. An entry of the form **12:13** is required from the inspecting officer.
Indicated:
**2:04**
